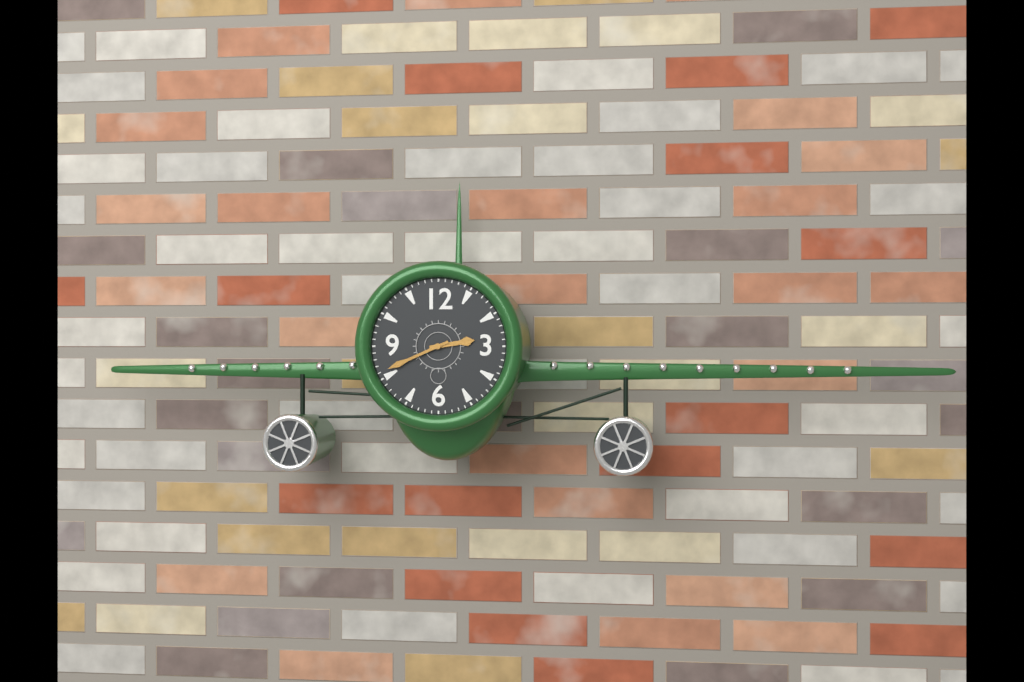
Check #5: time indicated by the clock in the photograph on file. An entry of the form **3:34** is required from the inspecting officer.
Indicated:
**2:41**
